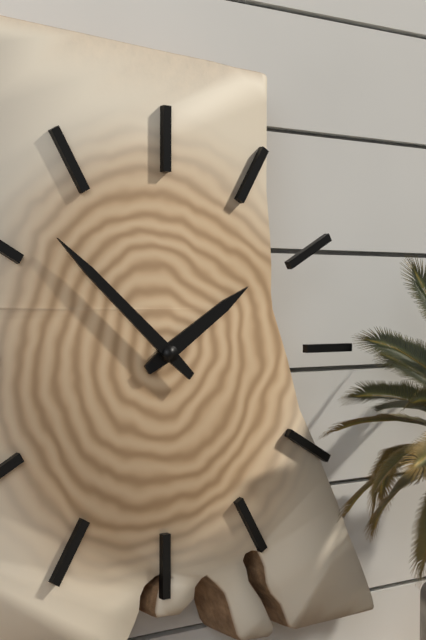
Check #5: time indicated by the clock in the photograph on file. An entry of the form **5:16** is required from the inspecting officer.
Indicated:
**1:52**
